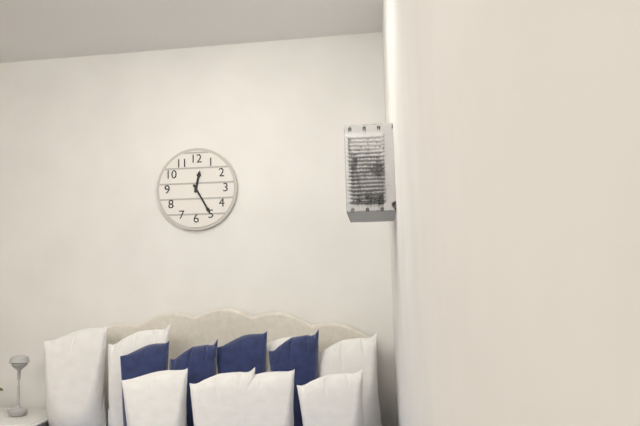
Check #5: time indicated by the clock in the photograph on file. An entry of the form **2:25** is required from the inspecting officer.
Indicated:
**12:25**
